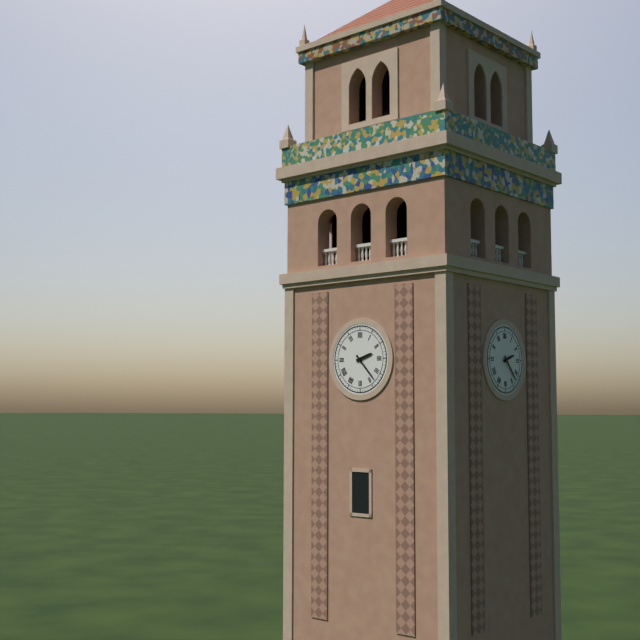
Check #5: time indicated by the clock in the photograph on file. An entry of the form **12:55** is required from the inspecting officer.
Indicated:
**2:23**
